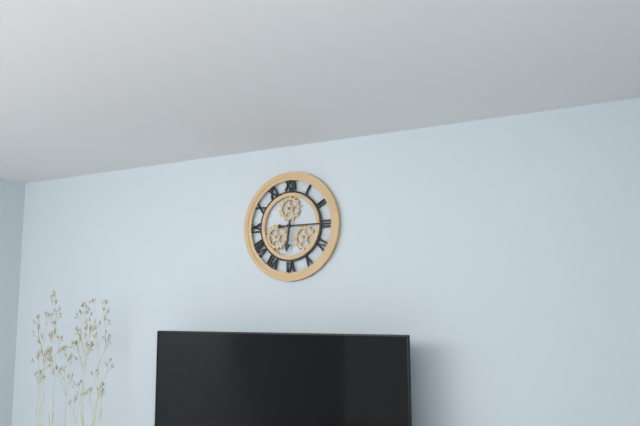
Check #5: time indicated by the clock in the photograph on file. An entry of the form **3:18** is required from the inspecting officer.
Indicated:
**6:15**
